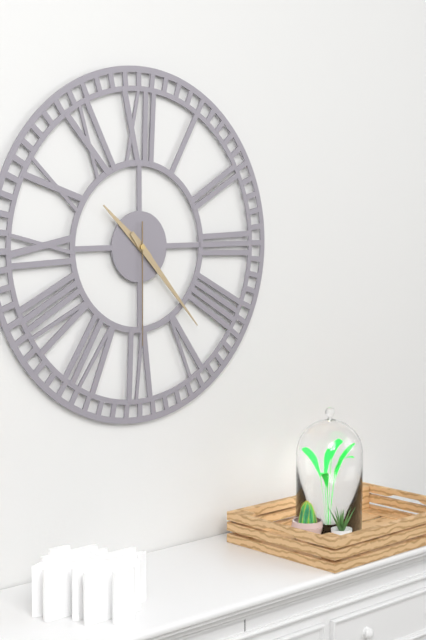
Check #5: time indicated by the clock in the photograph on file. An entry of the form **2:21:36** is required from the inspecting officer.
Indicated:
**10:23:30**
